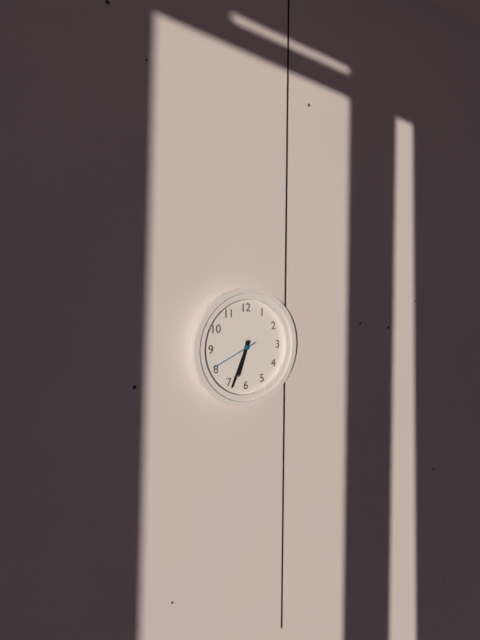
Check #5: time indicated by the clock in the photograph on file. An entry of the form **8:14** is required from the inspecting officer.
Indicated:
**6:34**
